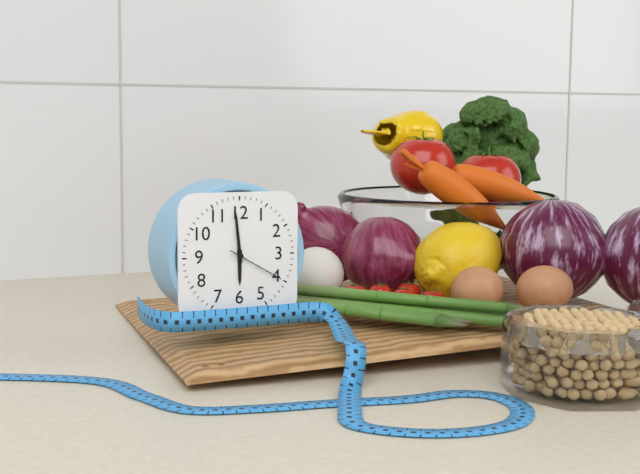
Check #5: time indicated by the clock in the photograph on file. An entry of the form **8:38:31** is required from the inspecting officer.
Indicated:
**5:59:20**
